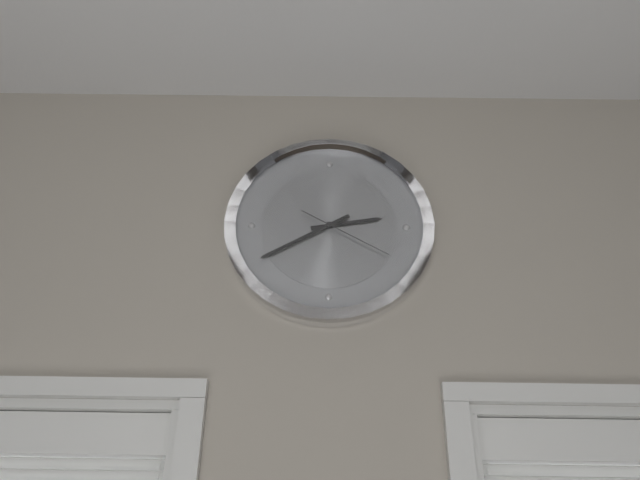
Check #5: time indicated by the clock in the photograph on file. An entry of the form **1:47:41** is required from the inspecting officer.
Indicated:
**2:40:20**
